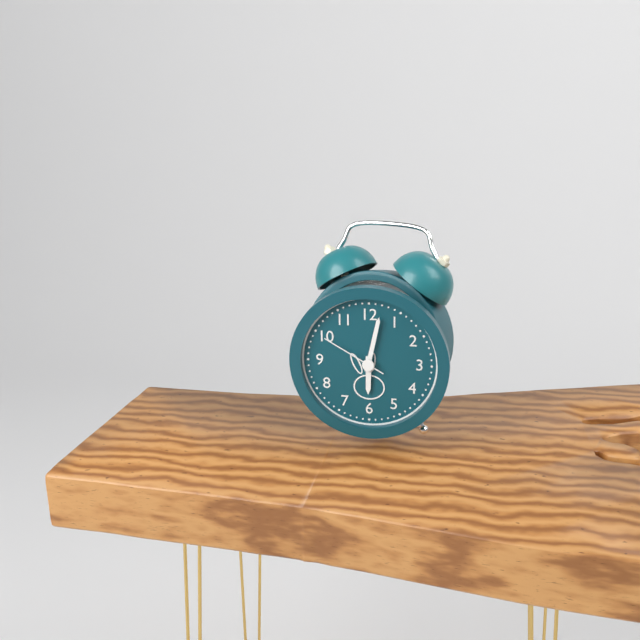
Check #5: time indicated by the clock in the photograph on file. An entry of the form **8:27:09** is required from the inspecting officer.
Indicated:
**6:02:50**
